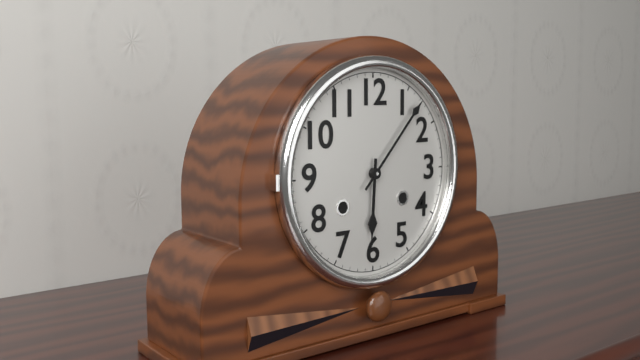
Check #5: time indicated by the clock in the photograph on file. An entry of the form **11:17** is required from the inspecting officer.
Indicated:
**6:07**
